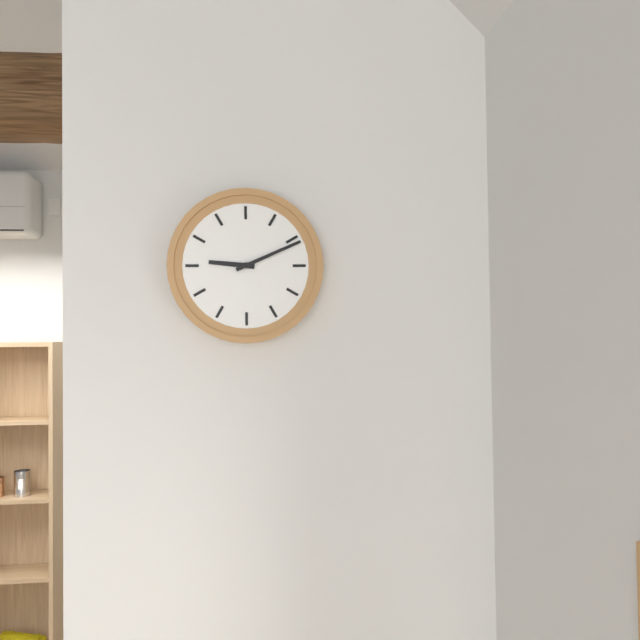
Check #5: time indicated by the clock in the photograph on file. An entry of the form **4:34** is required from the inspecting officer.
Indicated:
**9:11**
